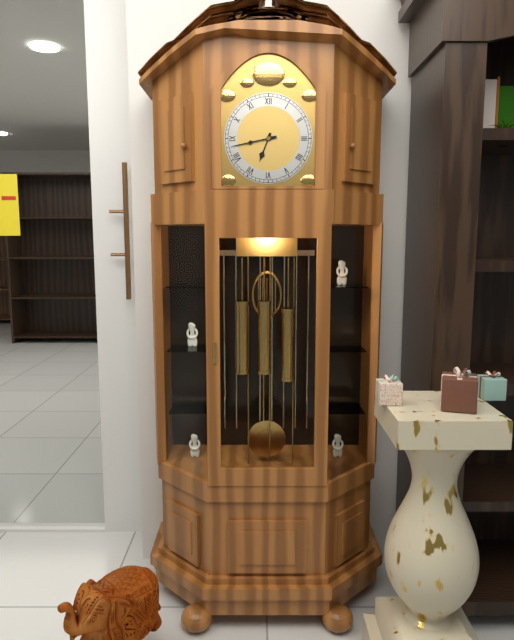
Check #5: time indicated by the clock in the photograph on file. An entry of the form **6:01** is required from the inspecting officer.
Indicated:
**6:43**
